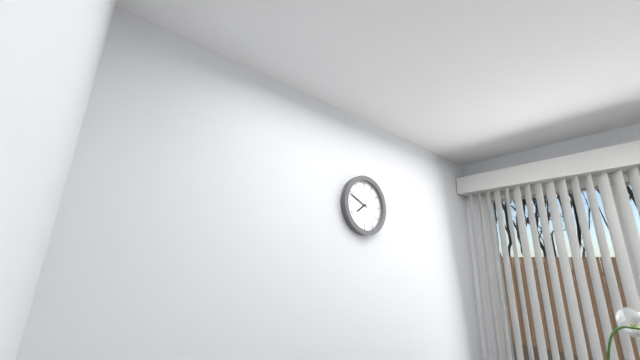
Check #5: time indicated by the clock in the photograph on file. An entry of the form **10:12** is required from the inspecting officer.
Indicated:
**7:49**
